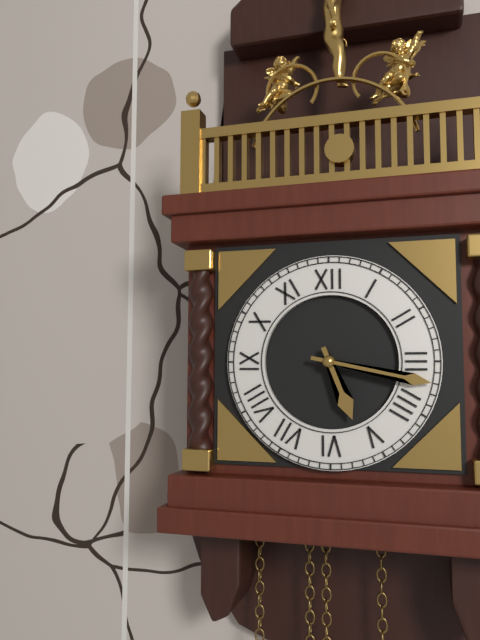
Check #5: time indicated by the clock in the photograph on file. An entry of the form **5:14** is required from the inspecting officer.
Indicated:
**5:17**
